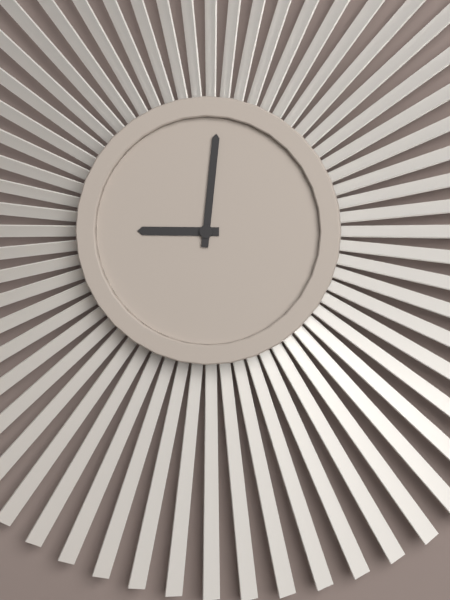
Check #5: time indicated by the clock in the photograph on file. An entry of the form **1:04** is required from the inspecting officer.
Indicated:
**9:01**
